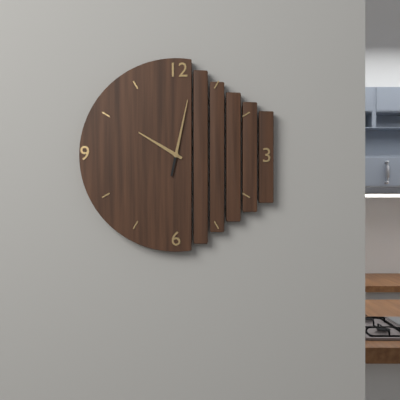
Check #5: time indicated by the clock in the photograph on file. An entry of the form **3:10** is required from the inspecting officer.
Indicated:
**10:02**
